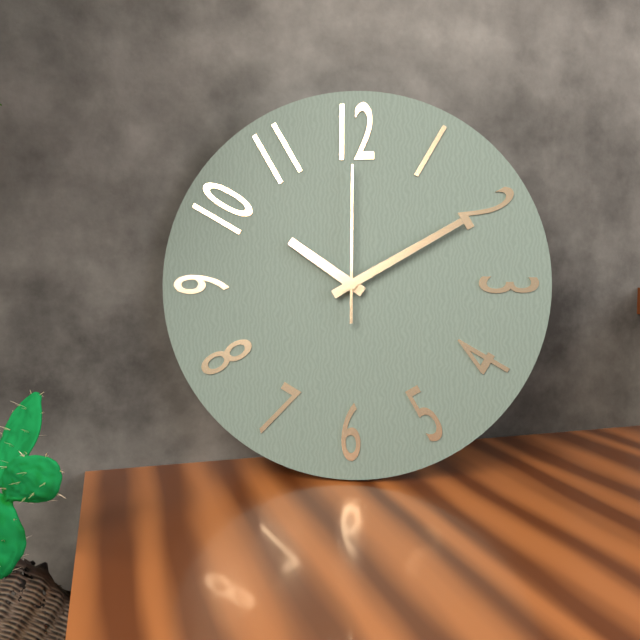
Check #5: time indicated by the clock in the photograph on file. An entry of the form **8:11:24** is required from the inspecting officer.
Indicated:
**10:10:00**
